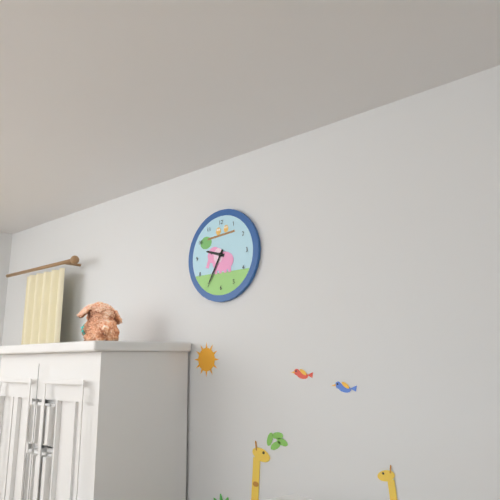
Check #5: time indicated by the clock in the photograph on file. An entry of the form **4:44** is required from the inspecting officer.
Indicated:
**9:35**
